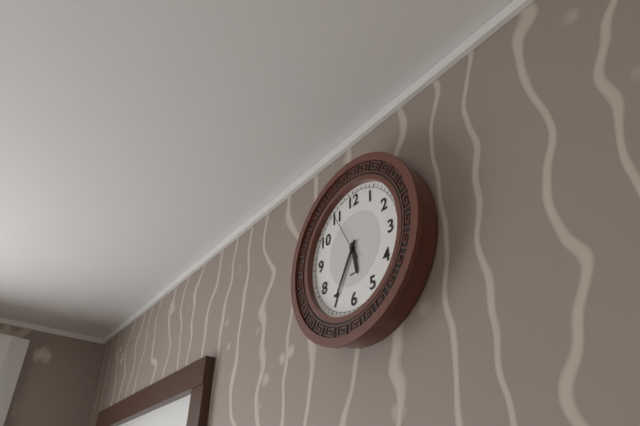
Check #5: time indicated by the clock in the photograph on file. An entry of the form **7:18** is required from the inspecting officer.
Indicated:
**5:35**
